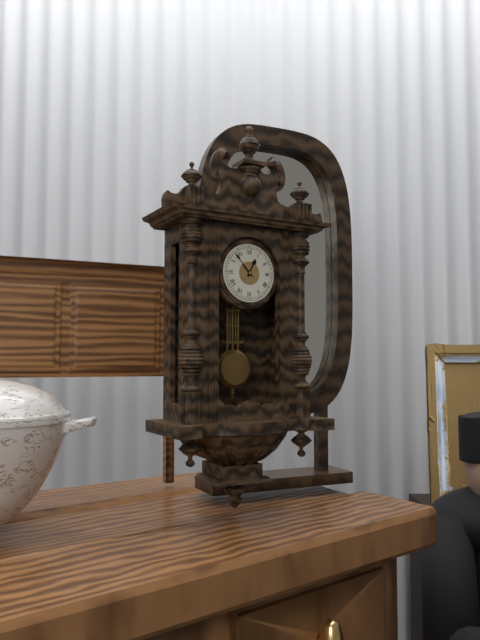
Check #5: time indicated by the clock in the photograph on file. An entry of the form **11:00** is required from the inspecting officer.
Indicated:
**12:53**
